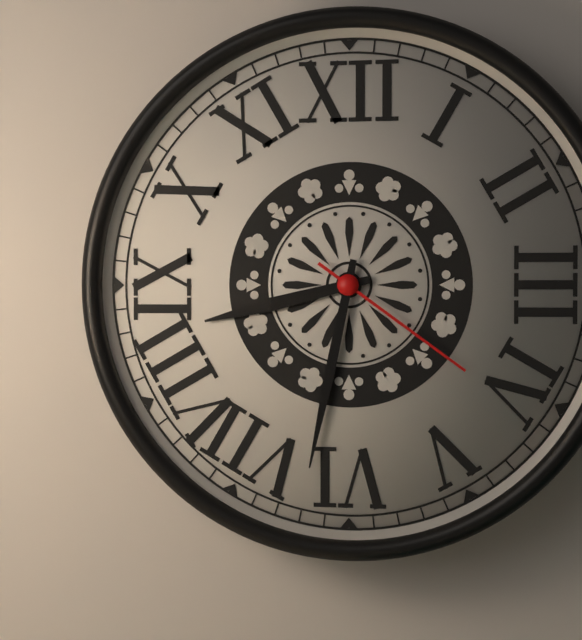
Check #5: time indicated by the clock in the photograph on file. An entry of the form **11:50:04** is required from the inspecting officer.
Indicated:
**8:32:21**
